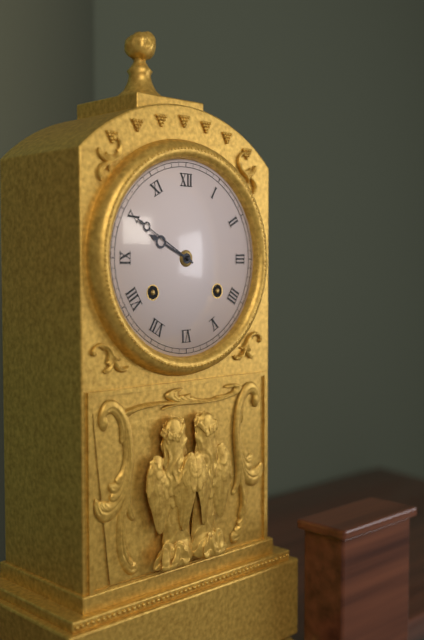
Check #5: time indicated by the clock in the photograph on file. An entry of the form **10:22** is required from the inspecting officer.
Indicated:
**9:50**
